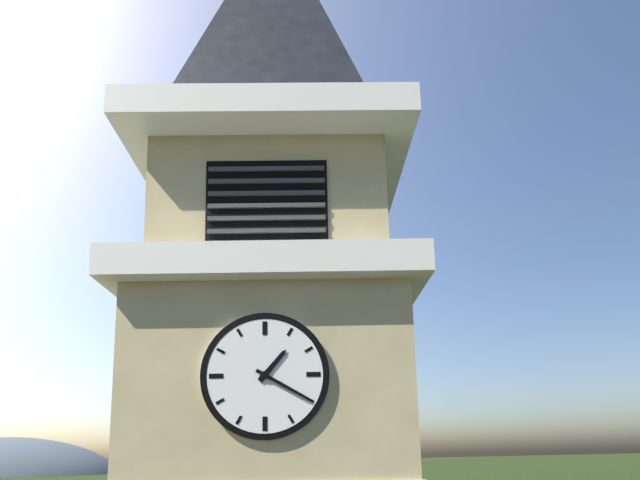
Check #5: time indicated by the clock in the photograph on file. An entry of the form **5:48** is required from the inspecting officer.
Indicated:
**1:20**
